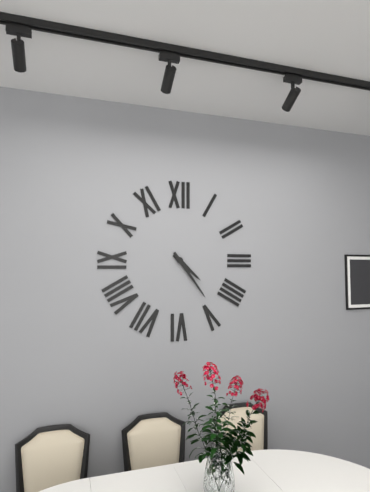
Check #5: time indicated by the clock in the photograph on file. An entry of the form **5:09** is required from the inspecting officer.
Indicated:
**4:24**
